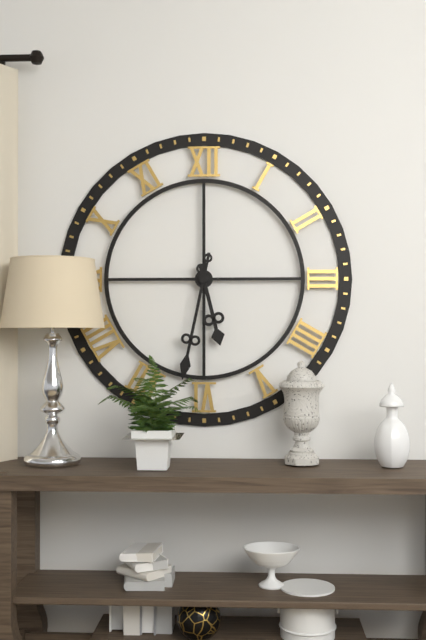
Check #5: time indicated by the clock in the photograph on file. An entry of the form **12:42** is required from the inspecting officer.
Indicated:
**5:32**
